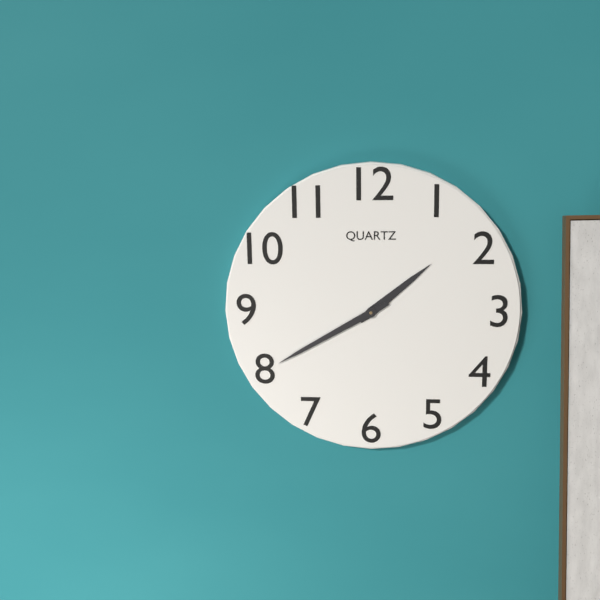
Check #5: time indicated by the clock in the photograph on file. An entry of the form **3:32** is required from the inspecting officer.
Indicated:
**1:40**
